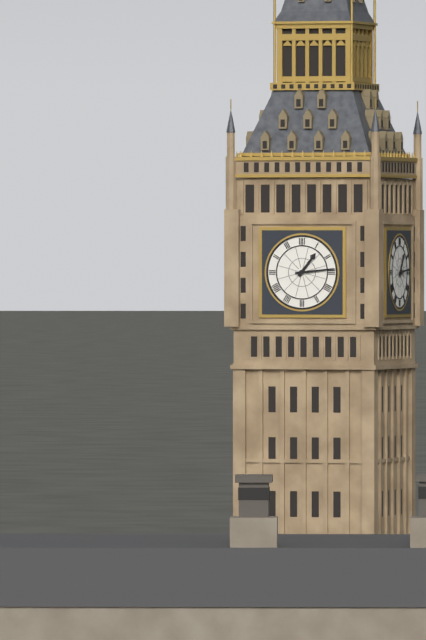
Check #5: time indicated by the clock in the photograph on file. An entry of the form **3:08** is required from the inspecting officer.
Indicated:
**1:14**
